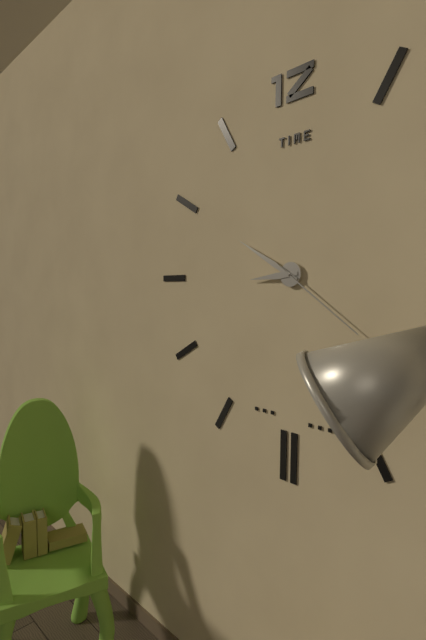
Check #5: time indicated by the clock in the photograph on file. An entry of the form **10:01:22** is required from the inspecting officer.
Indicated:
**8:50:21**
